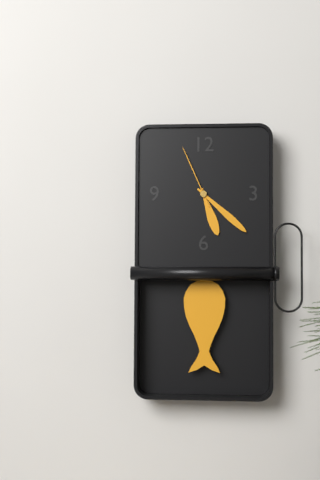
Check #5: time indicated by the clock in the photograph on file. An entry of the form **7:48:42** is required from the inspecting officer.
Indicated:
**5:22:56**
